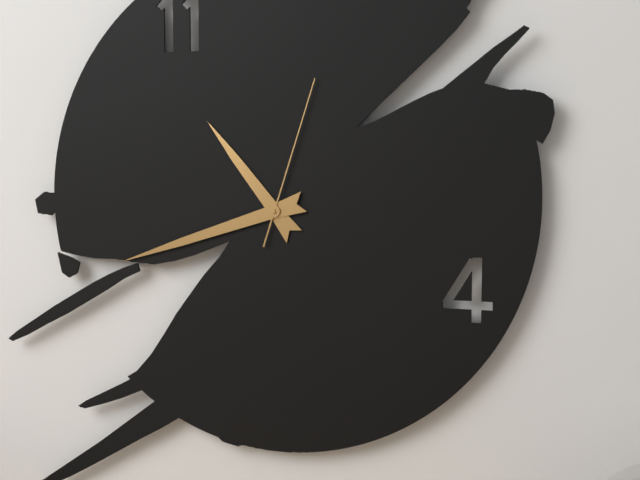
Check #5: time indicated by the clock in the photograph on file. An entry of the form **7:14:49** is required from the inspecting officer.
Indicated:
**10:42:03**
